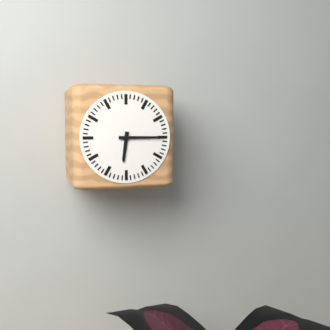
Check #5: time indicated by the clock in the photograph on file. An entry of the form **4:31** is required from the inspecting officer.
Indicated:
**6:15**
